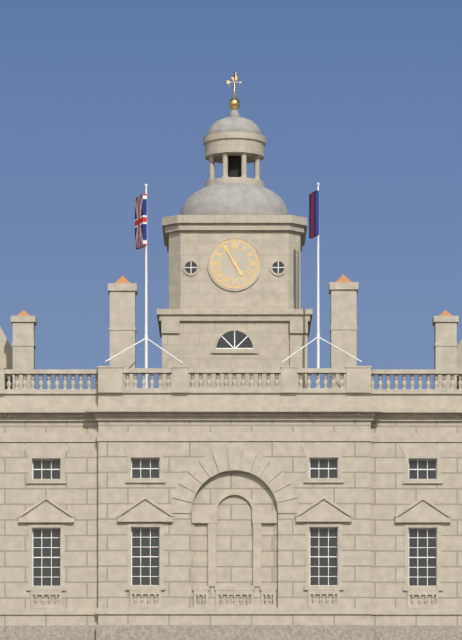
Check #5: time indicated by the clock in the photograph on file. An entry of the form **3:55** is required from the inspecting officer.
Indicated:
**4:55**
